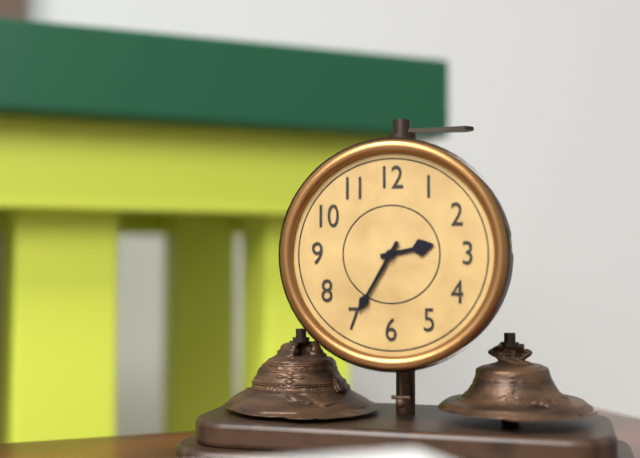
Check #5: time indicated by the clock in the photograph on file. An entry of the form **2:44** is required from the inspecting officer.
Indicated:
**2:35**
